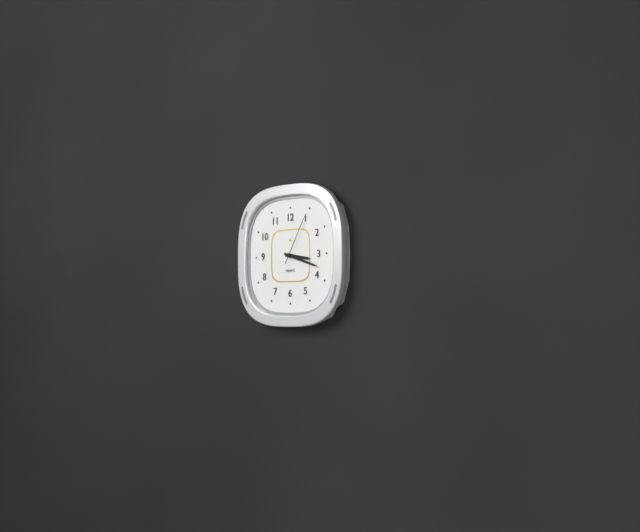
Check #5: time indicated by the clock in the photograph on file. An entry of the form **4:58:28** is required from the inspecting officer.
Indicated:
**3:18:05**
